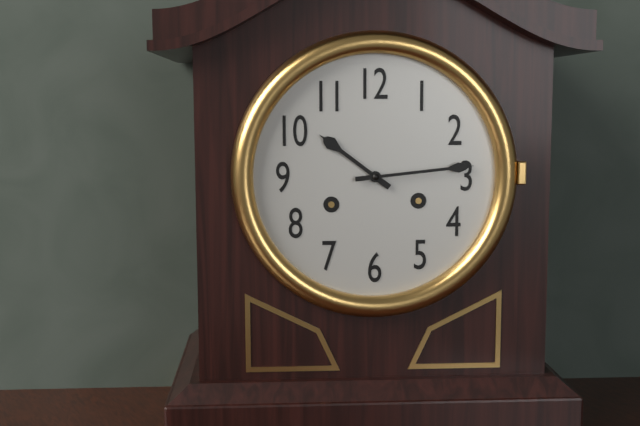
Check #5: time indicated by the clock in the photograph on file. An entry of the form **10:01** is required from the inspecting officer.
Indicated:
**10:14**
